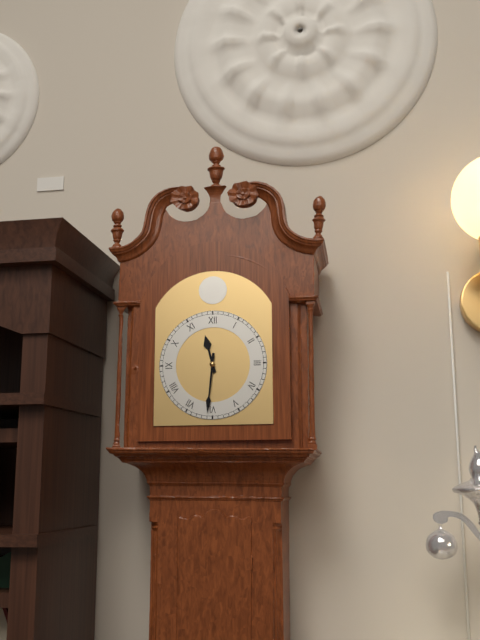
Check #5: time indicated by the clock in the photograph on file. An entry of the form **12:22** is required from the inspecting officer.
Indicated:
**11:31**
